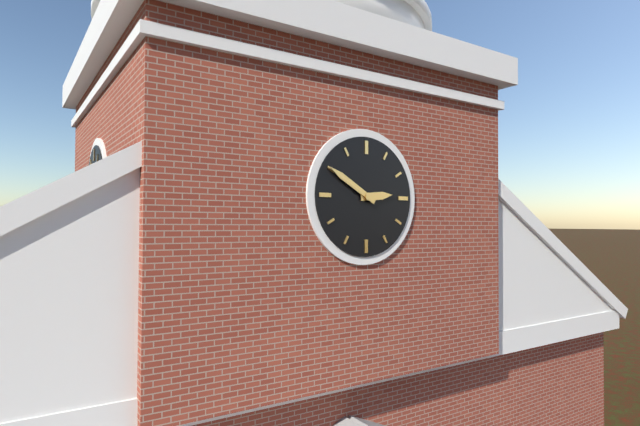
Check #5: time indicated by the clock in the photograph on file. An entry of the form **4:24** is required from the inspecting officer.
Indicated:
**2:50**
